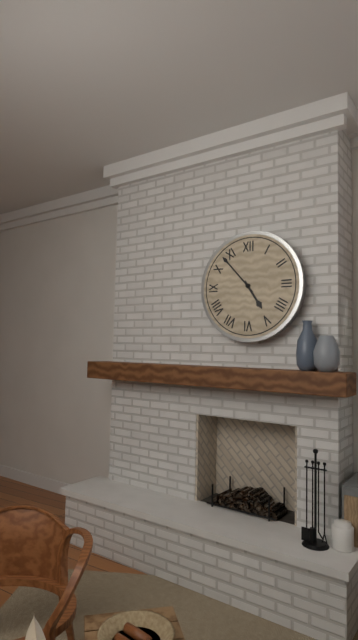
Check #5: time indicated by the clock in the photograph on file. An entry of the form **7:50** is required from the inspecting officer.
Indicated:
**4:53**
